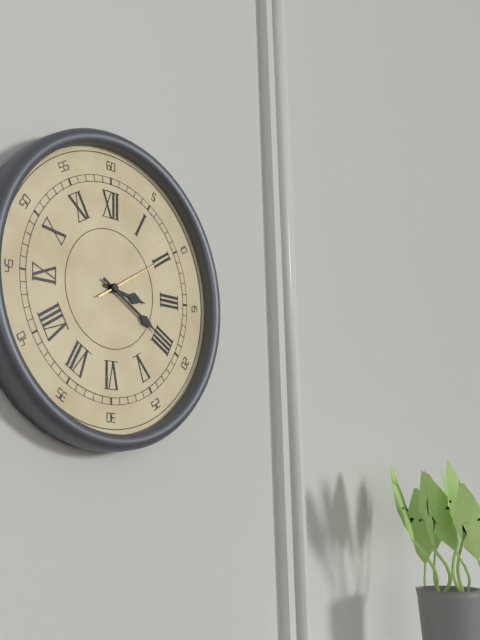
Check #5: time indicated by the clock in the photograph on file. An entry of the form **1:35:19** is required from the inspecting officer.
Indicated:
**3:20:10**
